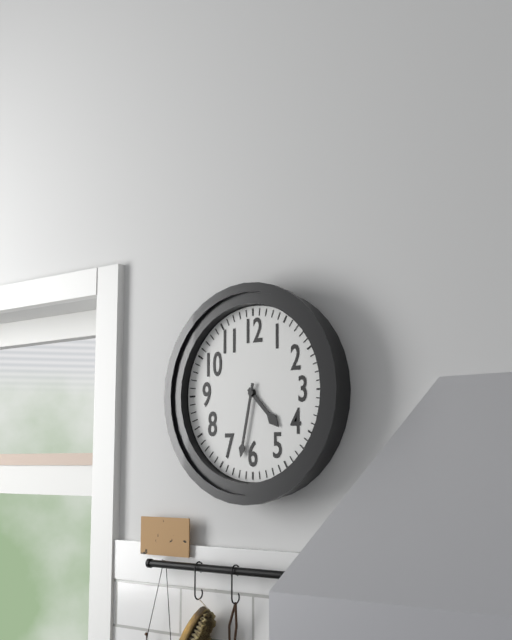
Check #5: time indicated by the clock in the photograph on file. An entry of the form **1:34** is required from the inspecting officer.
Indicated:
**4:32**
